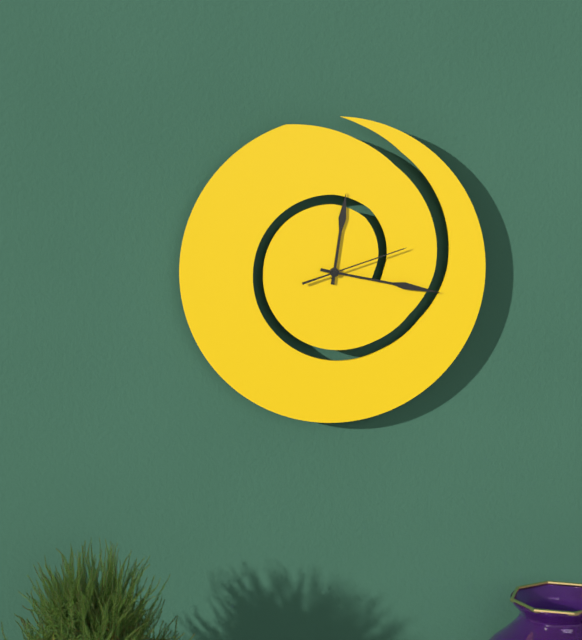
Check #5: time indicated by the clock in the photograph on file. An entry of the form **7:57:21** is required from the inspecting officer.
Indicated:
**12:17:12**
